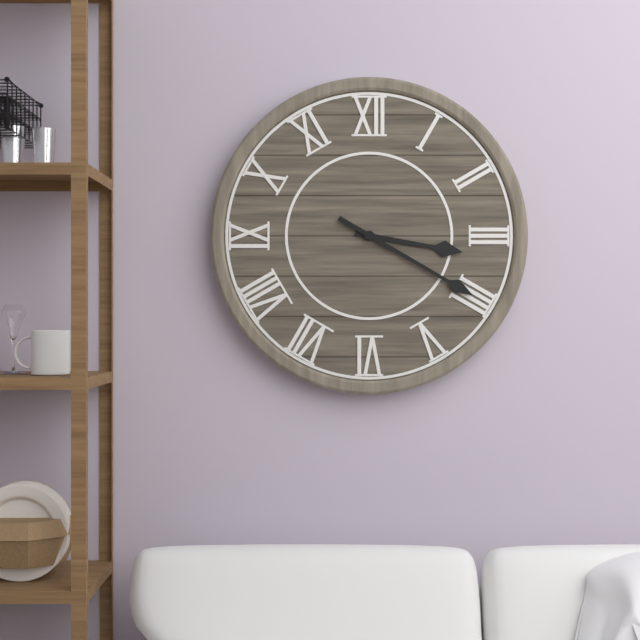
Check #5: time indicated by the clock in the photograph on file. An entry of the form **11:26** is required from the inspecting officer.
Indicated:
**3:20**
